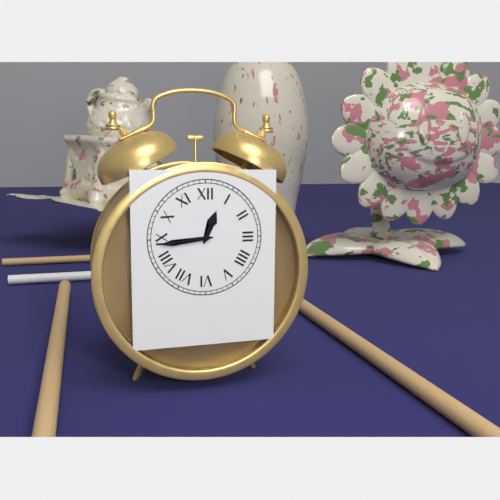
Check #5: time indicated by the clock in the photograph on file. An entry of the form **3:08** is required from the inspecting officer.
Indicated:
**12:44**
